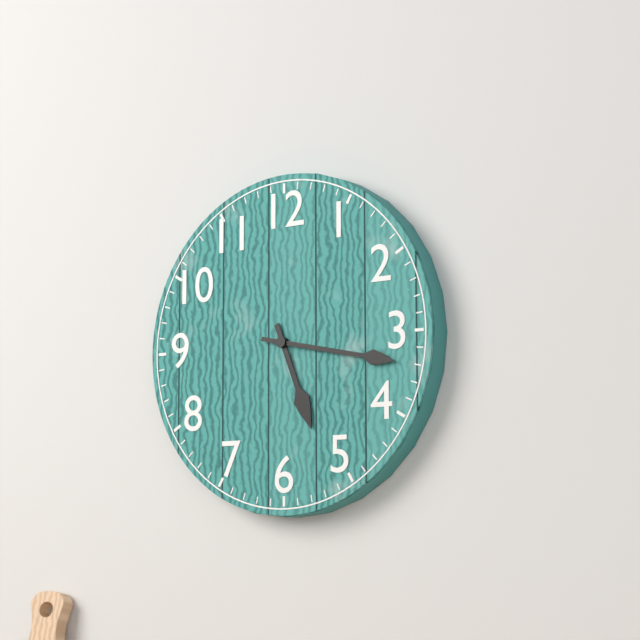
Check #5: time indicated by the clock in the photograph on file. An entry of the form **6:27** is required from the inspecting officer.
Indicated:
**5:17**
